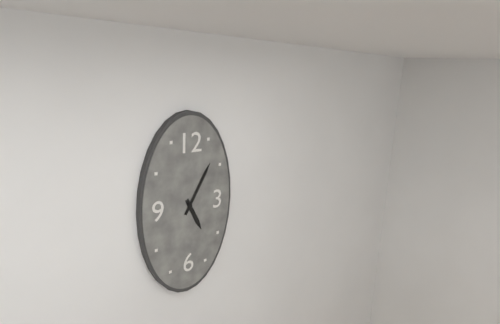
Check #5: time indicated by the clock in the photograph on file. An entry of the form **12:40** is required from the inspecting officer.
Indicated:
**5:05**
